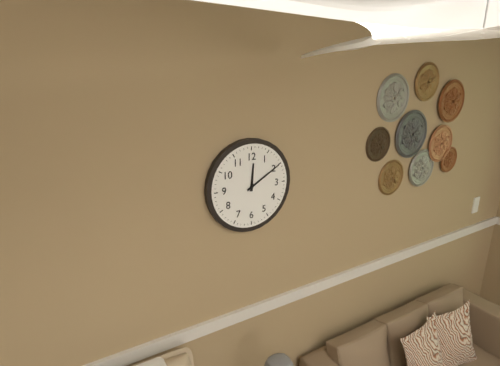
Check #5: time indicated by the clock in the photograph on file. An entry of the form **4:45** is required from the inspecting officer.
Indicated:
**12:10**
